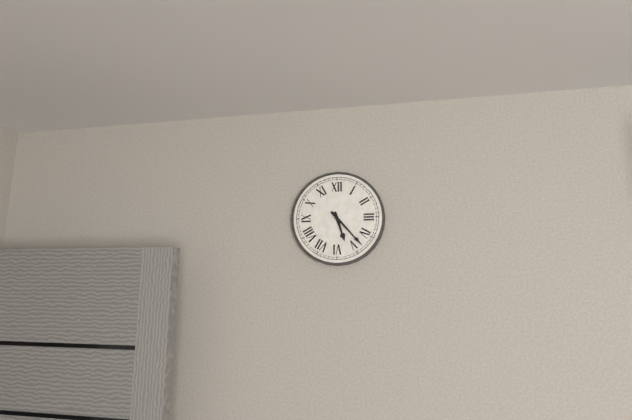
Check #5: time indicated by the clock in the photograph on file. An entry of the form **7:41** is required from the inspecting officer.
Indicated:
**5:23**
